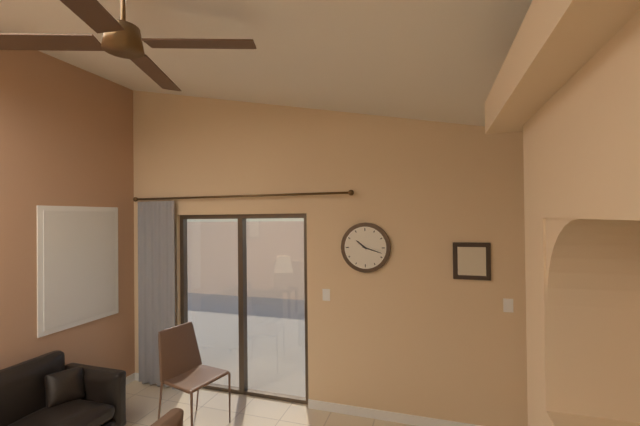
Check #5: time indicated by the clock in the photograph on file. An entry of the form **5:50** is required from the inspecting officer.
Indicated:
**10:18**
